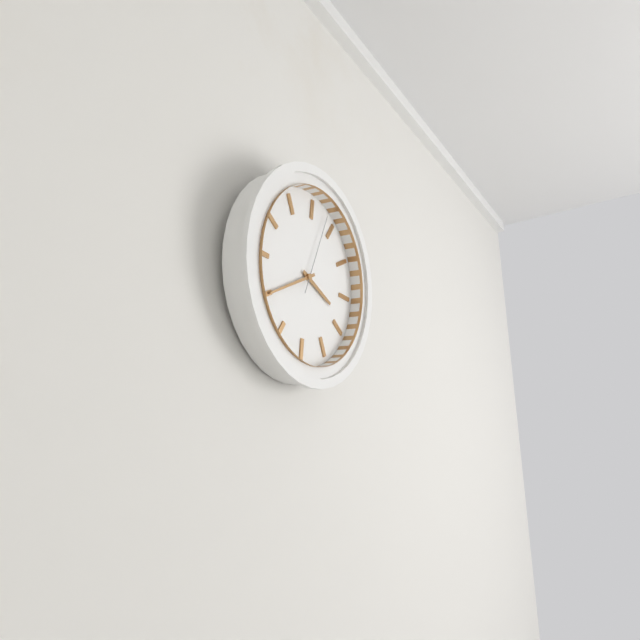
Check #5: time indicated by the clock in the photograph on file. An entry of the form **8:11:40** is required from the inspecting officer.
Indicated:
**3:40:03**
